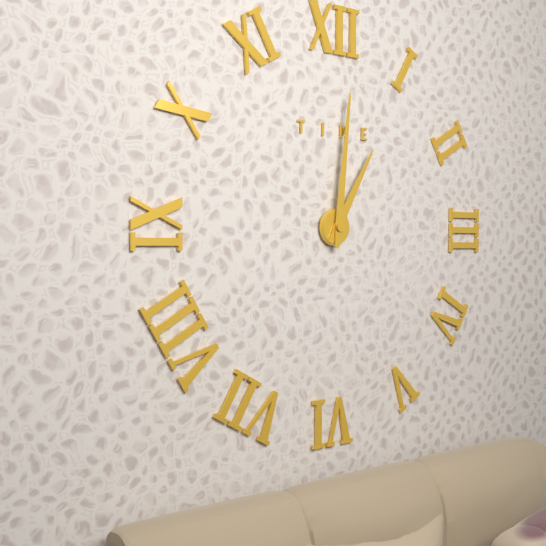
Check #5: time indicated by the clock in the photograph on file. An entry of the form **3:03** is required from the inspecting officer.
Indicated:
**1:01**
